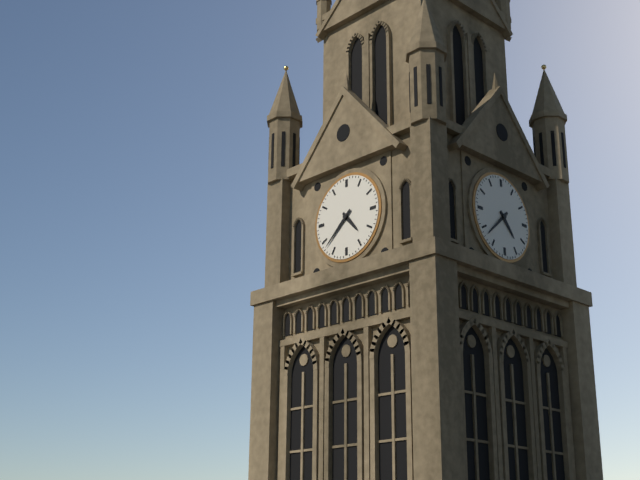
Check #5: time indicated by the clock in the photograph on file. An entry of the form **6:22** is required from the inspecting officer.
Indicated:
**4:38**
